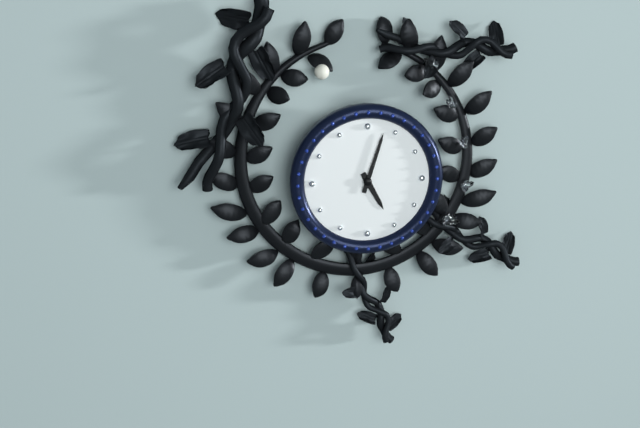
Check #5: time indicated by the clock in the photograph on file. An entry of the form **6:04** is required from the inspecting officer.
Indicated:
**5:03**
